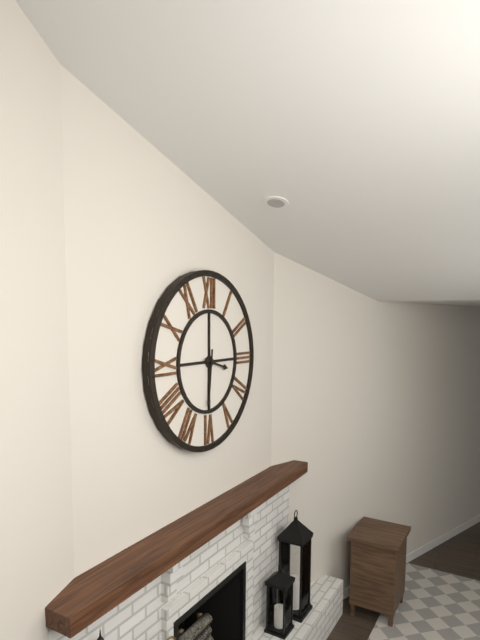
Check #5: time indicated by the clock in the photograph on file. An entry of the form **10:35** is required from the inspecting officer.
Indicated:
**3:31**
